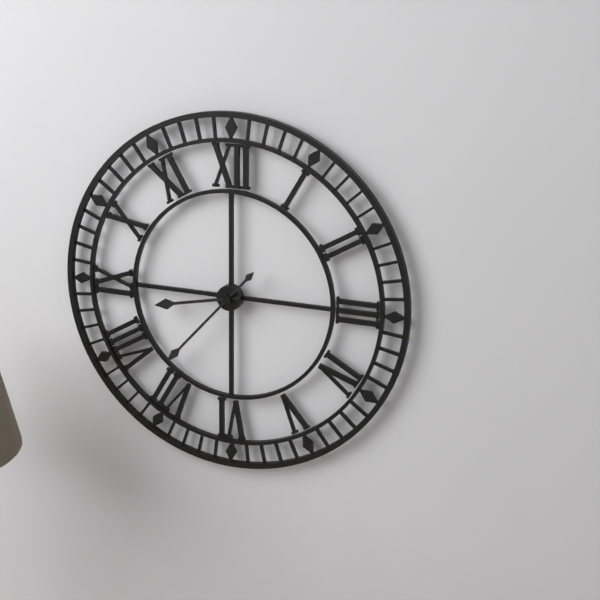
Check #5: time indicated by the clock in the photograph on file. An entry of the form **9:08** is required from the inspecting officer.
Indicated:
**8:37**
